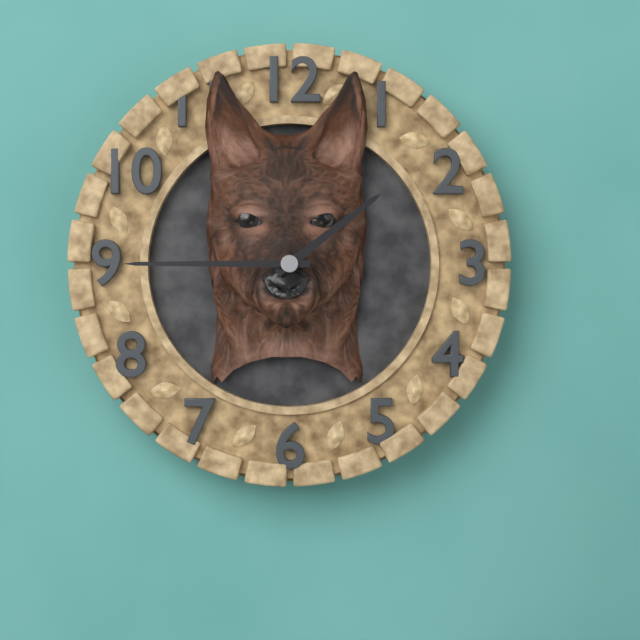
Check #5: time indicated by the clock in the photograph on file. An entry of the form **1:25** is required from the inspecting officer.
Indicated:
**1:45**
